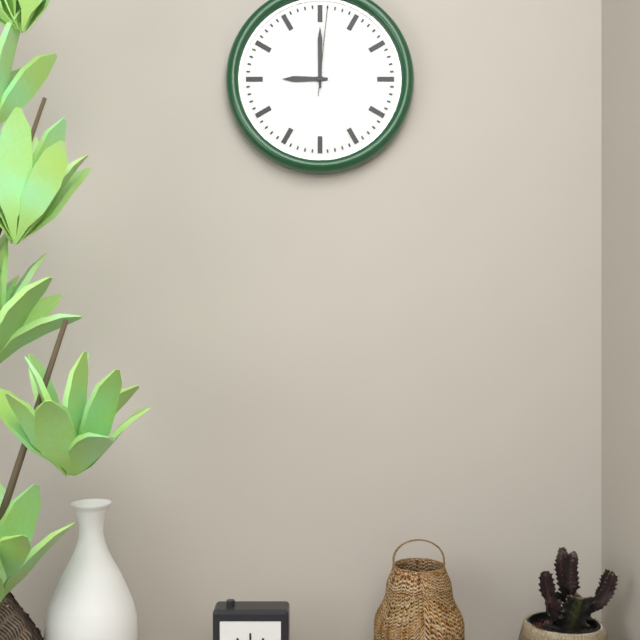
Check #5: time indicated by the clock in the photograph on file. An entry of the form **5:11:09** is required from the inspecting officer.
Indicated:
**9:00:01**
